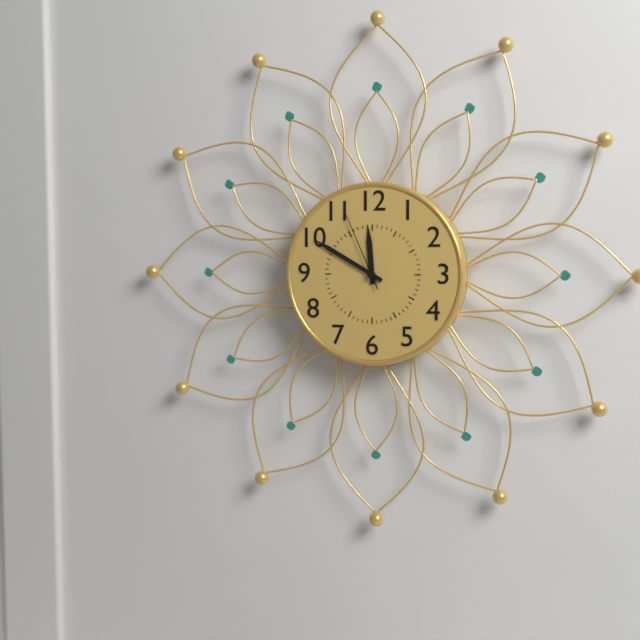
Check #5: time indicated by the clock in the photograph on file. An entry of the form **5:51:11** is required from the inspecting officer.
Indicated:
**11:50:56**
